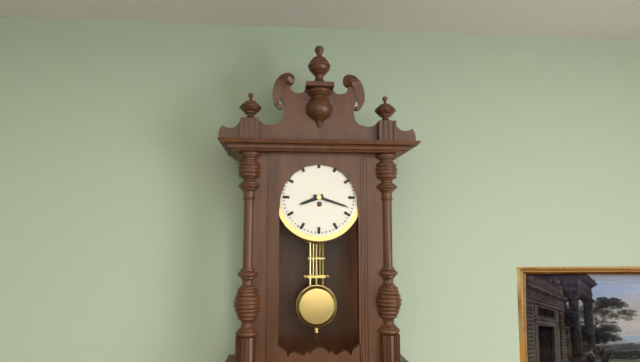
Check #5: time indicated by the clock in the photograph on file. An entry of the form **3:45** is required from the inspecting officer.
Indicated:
**8:18**
